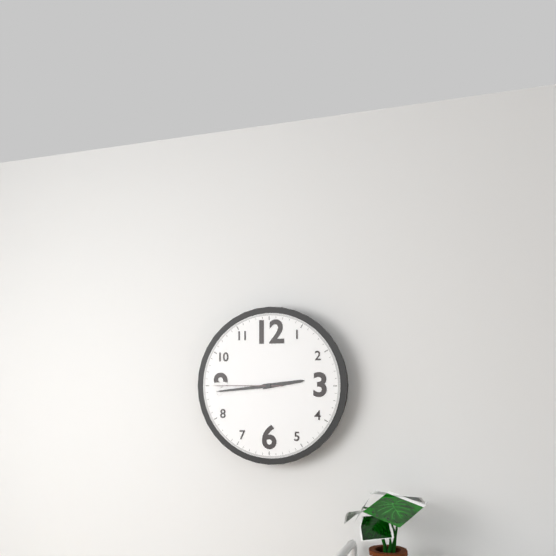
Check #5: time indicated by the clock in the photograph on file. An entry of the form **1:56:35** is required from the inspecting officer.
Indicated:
**2:44:45**
